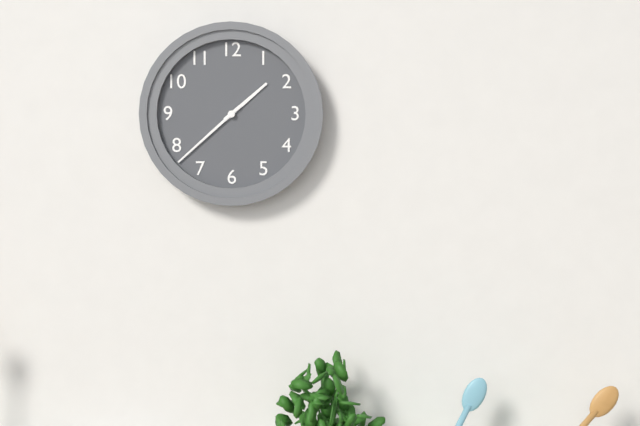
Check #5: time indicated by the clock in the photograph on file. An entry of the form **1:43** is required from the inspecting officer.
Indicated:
**1:38**
